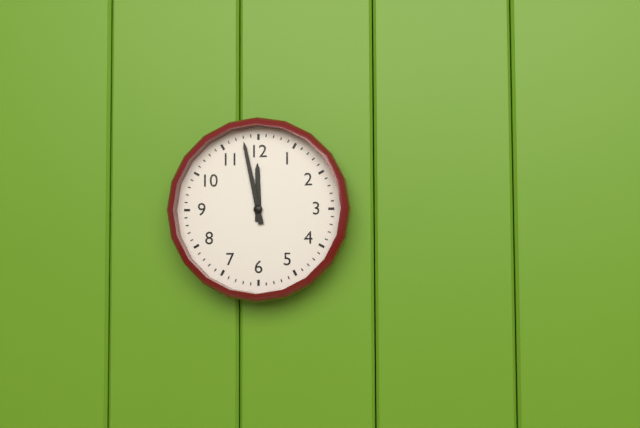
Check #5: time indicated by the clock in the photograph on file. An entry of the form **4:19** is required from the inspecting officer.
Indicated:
**11:58**
